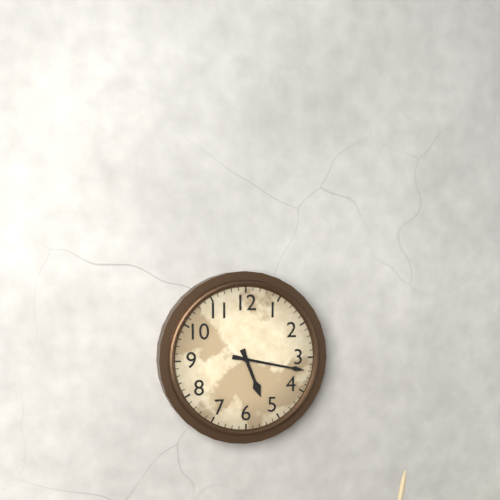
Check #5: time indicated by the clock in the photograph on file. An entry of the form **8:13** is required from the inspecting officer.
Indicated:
**5:17**
